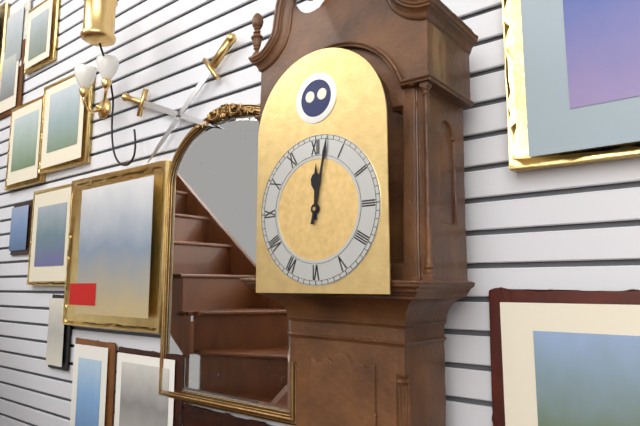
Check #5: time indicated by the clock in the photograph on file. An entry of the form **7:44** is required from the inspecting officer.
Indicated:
**12:02**
